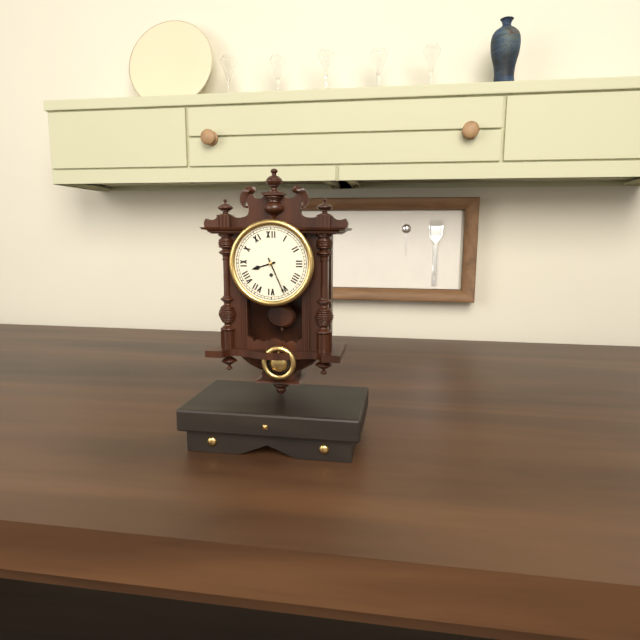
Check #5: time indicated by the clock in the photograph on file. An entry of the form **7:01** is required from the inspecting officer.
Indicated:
**8:26**
